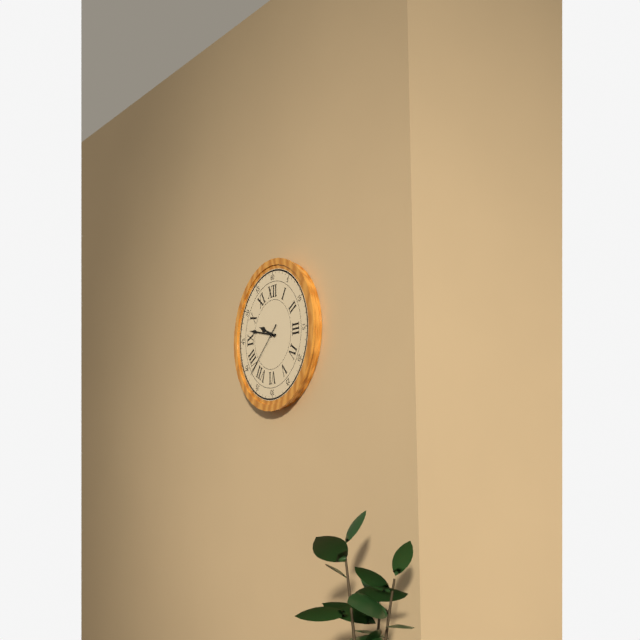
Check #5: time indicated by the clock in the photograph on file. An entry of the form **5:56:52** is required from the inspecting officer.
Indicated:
**9:47:38**
